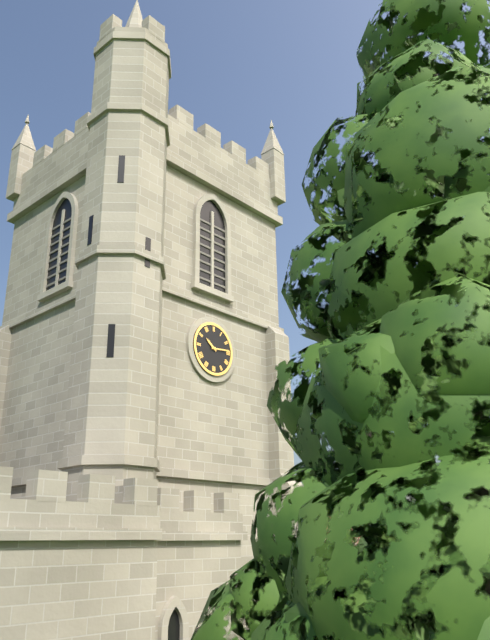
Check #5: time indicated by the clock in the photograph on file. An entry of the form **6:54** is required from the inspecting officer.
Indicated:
**10:14**
